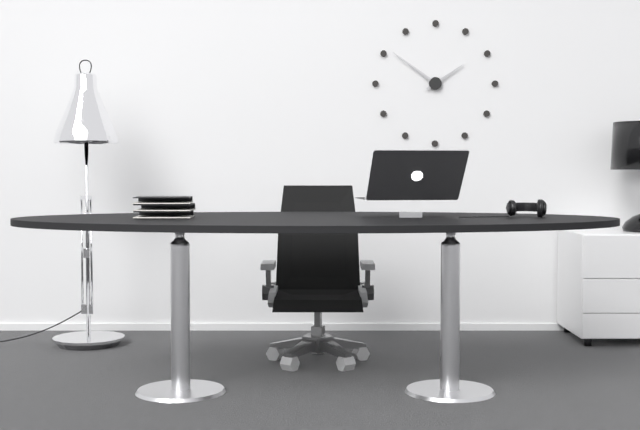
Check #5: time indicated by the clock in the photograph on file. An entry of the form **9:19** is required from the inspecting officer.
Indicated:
**1:51**
